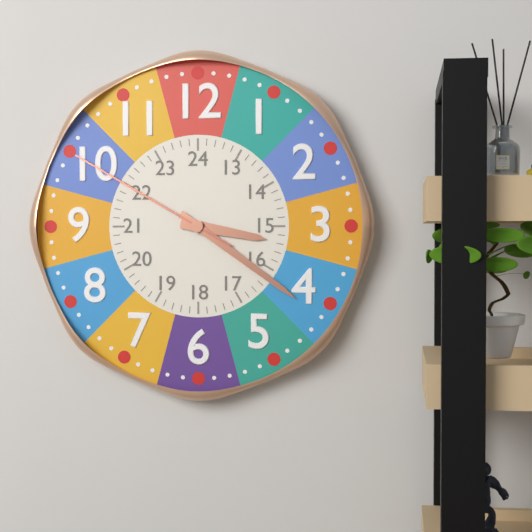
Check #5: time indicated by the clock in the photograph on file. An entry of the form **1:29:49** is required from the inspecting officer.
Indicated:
**3:21:50**
